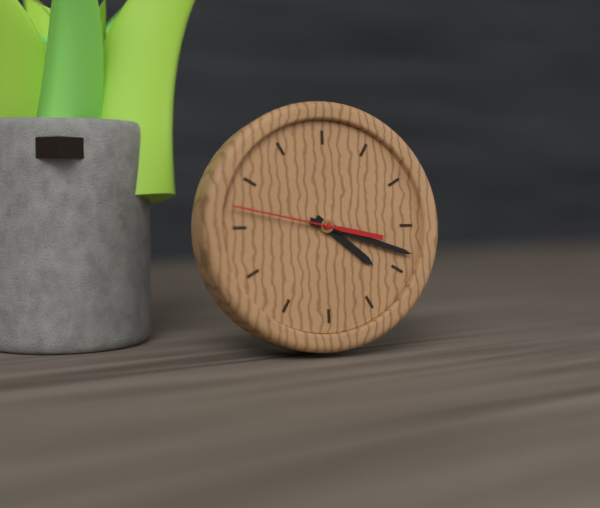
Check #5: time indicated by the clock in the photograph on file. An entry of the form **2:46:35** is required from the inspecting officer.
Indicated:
**4:18:47**
